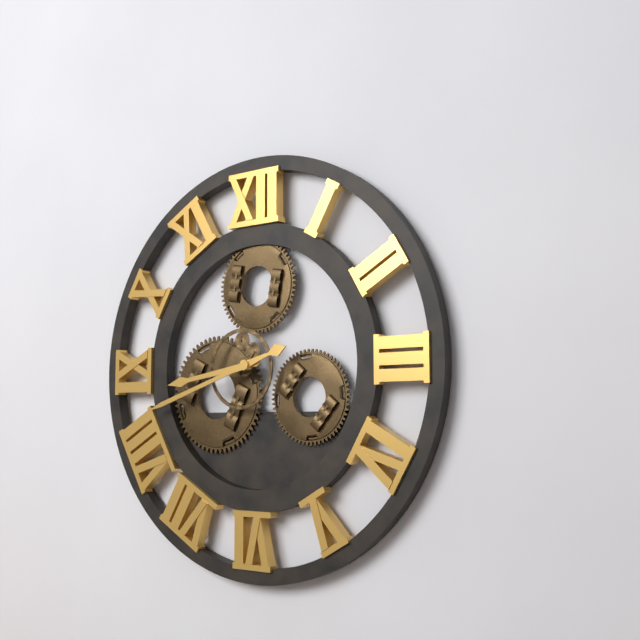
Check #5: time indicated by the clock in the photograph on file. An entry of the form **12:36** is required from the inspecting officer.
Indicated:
**8:42**
